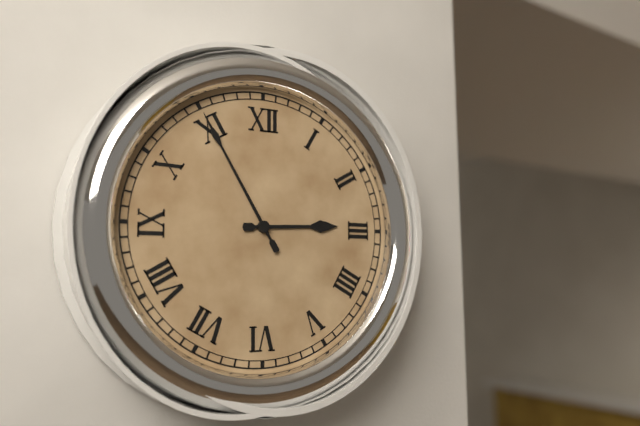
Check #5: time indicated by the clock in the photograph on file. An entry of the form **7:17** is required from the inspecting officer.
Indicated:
**2:55**
